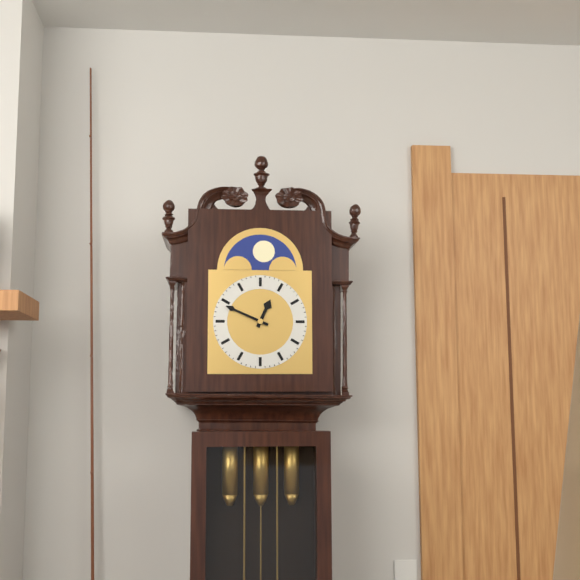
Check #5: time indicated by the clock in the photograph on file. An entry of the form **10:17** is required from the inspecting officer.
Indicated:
**12:49**
